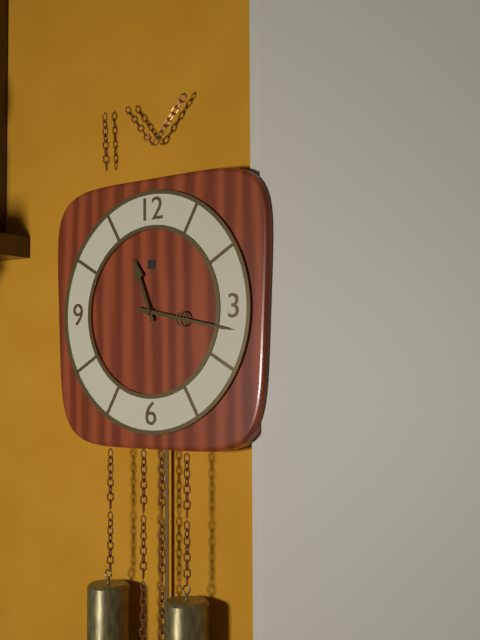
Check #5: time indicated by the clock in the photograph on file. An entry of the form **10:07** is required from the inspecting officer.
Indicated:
**11:17**
